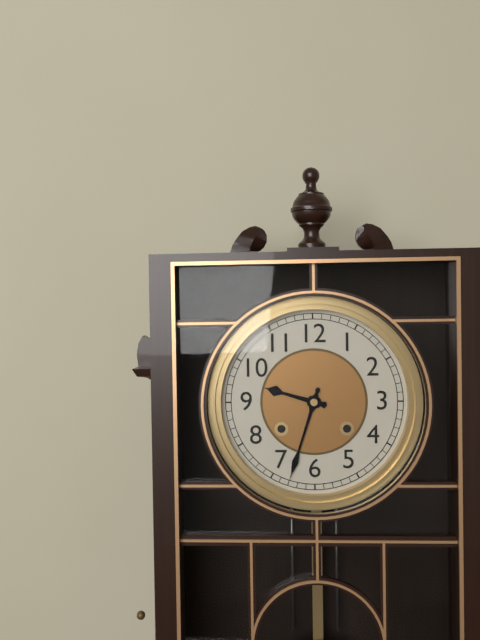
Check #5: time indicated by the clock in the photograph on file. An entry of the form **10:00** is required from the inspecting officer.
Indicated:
**9:33**
